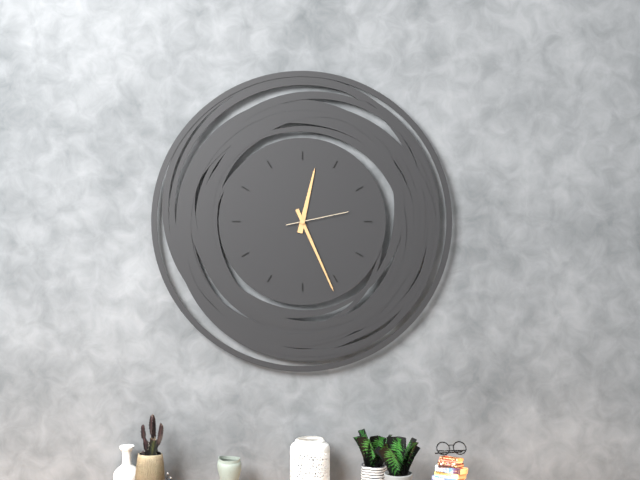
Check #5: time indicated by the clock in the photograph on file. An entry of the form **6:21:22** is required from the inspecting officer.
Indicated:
**12:26:13**
